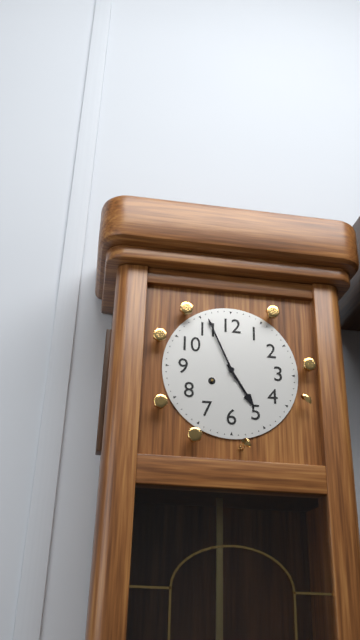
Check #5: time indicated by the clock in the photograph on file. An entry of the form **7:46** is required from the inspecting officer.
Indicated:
**4:56**
